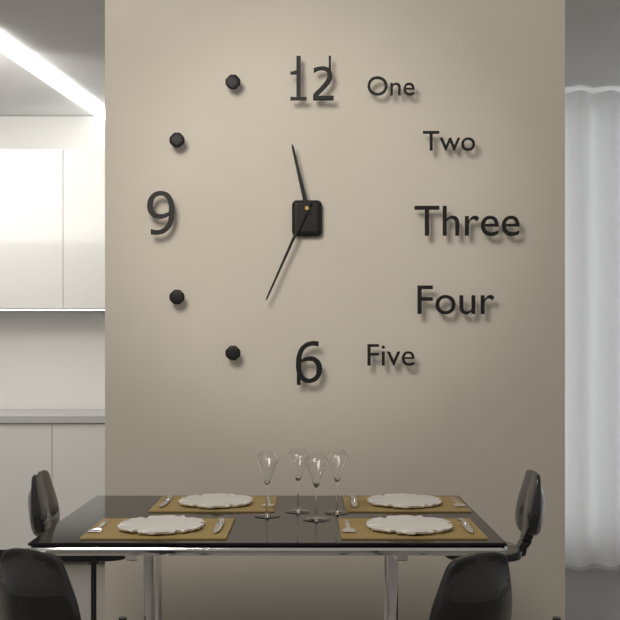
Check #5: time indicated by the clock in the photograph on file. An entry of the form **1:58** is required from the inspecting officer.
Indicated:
**11:34**
